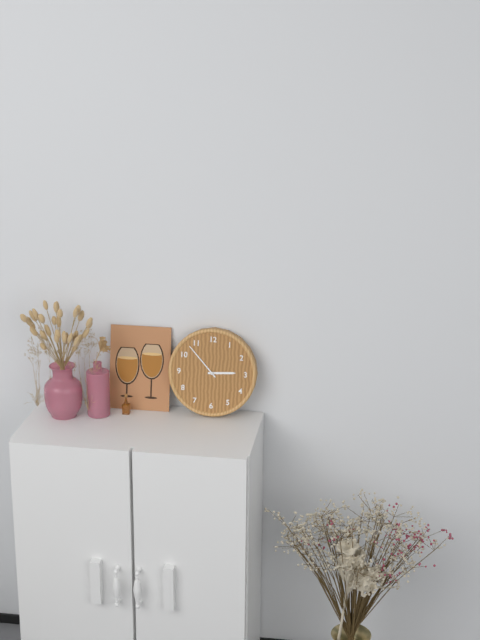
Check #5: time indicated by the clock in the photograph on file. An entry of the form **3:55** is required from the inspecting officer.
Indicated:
**2:53**
